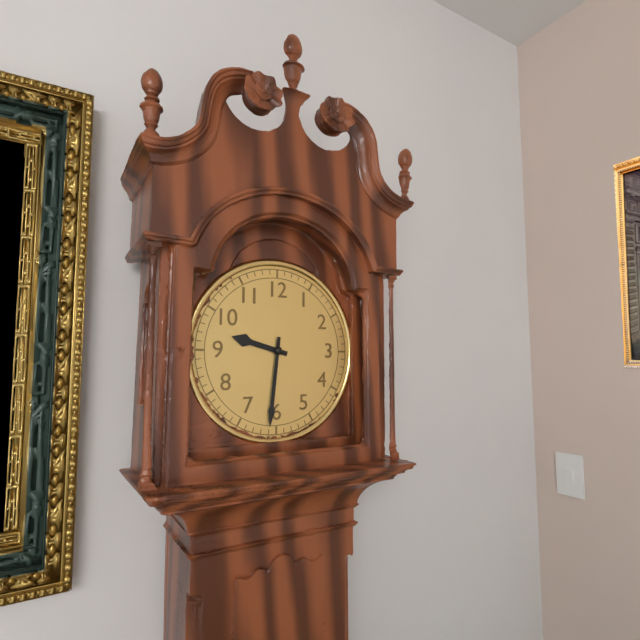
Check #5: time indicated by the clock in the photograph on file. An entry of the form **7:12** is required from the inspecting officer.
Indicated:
**9:31**
